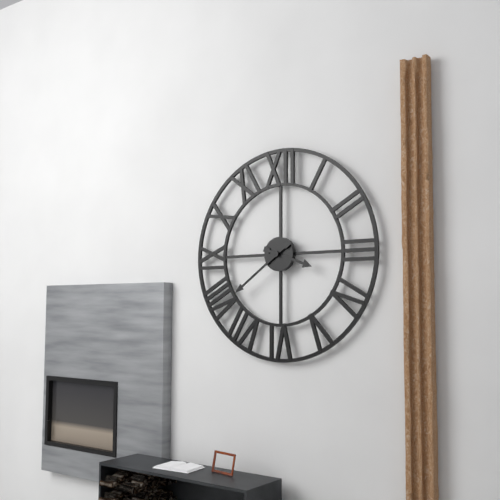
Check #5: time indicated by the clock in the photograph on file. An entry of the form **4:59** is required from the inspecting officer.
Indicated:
**3:39**
